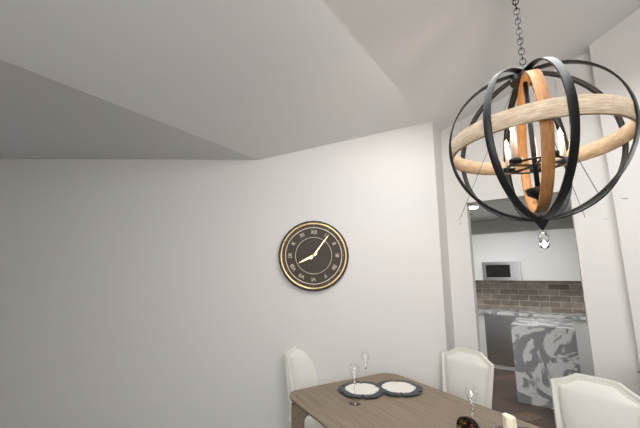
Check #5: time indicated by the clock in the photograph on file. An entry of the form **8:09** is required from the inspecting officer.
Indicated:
**8:06**
